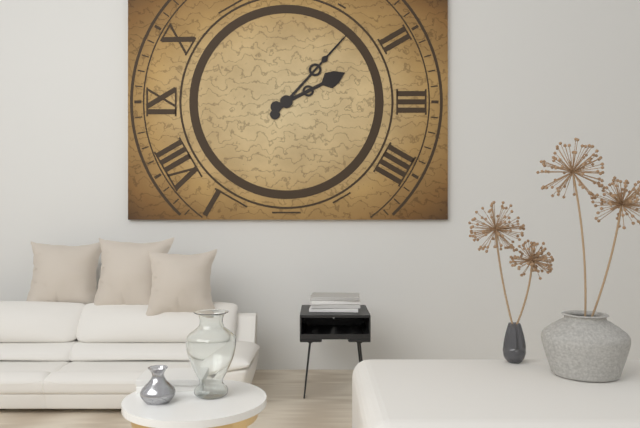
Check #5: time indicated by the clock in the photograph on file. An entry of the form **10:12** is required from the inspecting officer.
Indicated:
**2:07**
